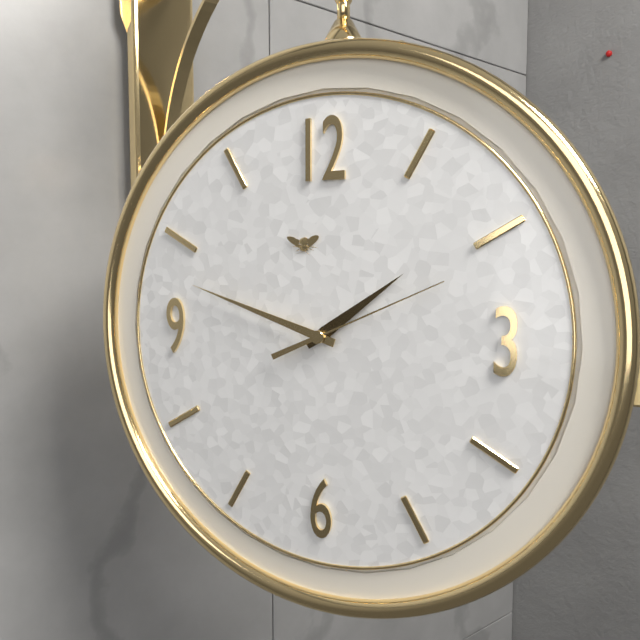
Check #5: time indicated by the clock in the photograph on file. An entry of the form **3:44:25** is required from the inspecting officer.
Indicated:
**1:48:11**
